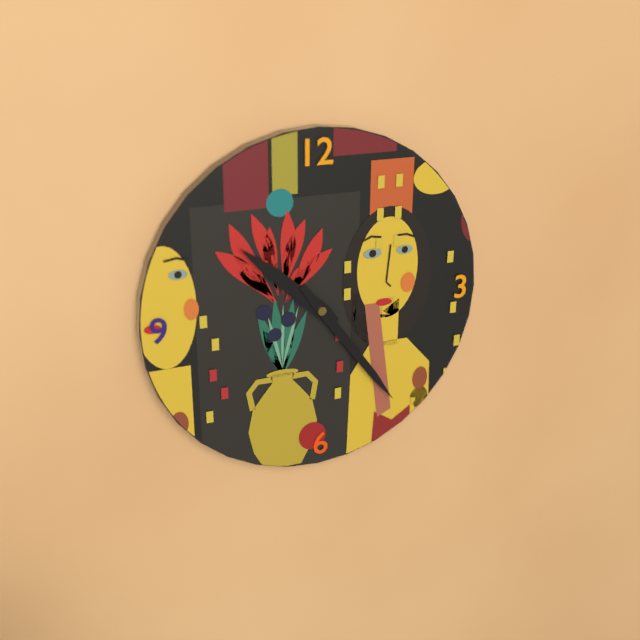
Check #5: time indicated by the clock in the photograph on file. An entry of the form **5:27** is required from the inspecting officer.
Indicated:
**10:24**
